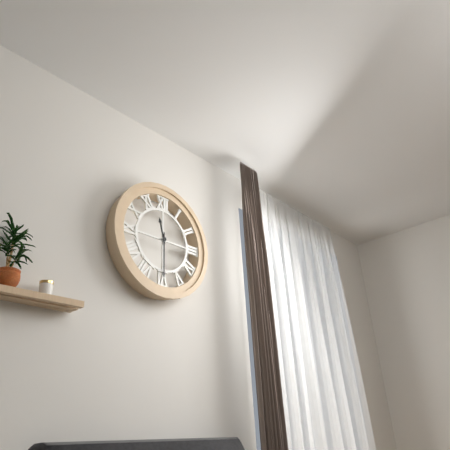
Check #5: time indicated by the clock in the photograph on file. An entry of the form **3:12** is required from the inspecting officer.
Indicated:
**11:30**
